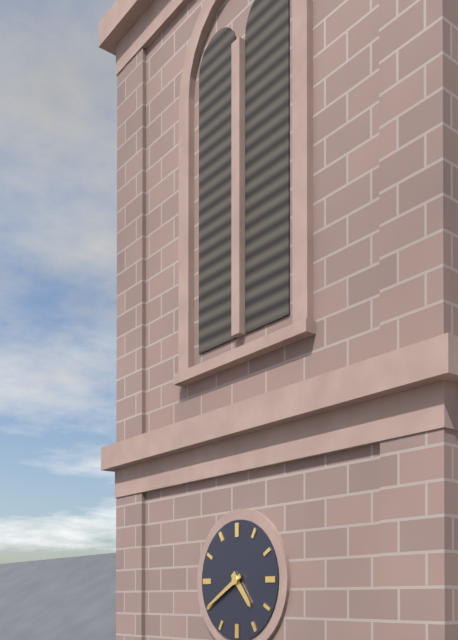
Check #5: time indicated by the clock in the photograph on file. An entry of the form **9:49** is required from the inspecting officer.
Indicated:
**4:40**
